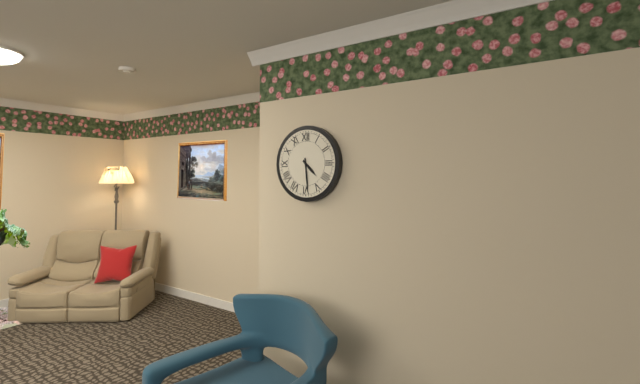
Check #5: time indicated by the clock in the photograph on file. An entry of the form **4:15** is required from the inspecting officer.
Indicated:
**4:29**
